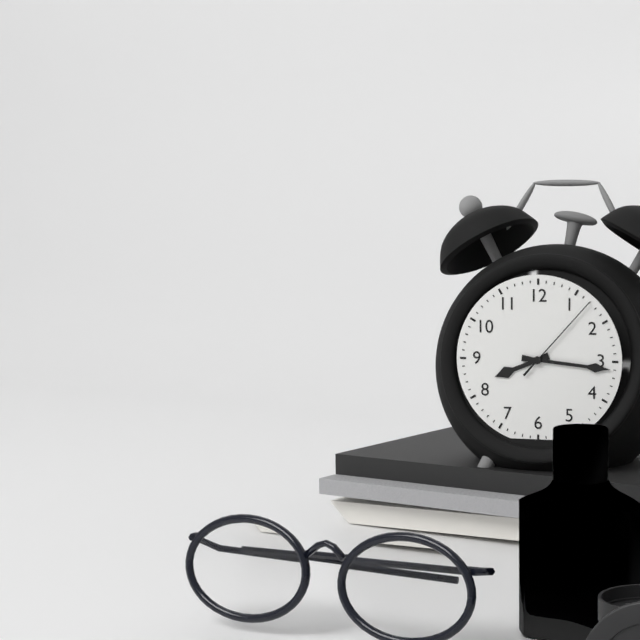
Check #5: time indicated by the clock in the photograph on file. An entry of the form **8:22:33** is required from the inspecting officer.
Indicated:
**8:16:07**
